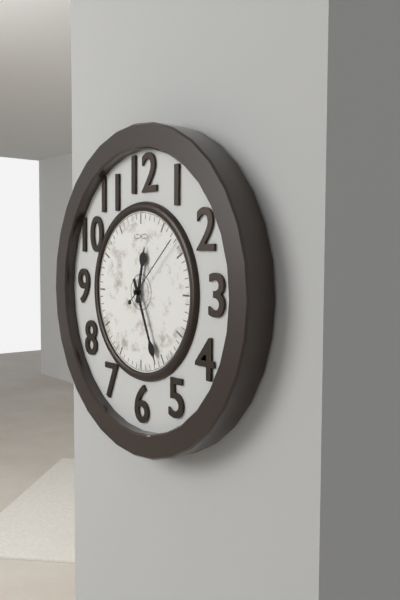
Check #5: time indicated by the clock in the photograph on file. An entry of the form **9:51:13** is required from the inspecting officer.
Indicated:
**12:26:08**
